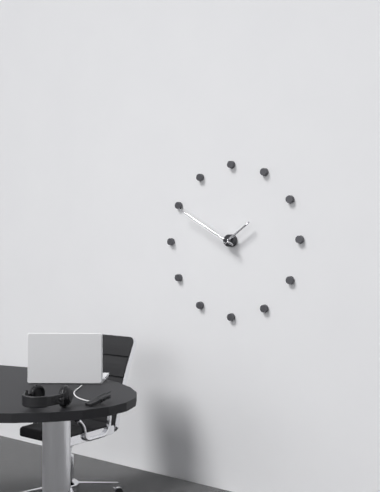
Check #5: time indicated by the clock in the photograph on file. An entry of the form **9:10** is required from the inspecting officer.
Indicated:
**1:50**
